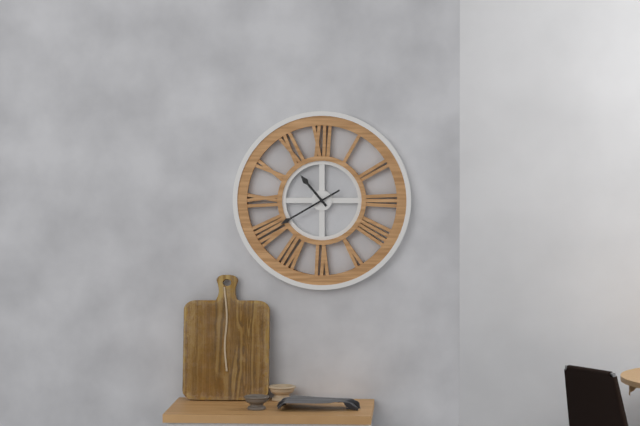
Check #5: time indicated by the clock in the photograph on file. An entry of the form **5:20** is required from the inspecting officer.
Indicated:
**10:40**
